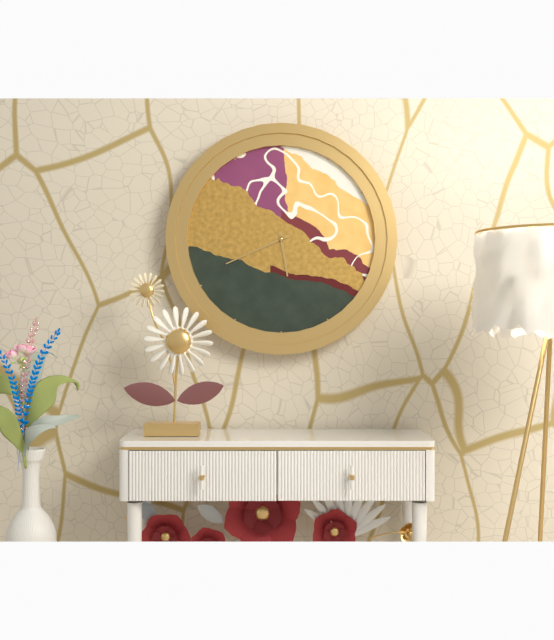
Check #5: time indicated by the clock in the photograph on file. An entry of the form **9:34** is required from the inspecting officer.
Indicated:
**5:41**
